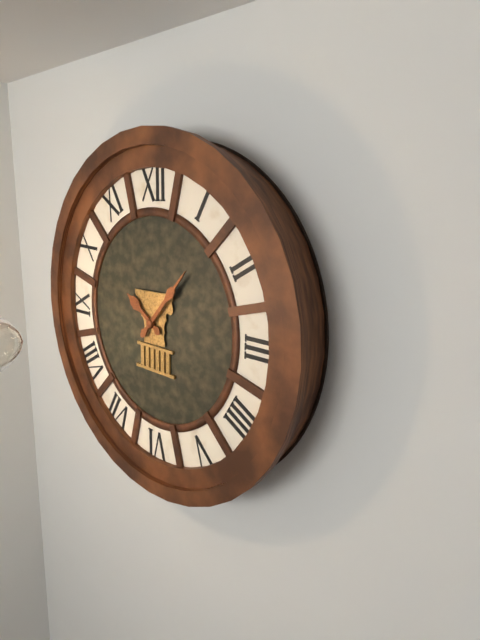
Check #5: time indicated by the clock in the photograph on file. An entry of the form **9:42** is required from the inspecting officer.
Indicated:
**10:07**
